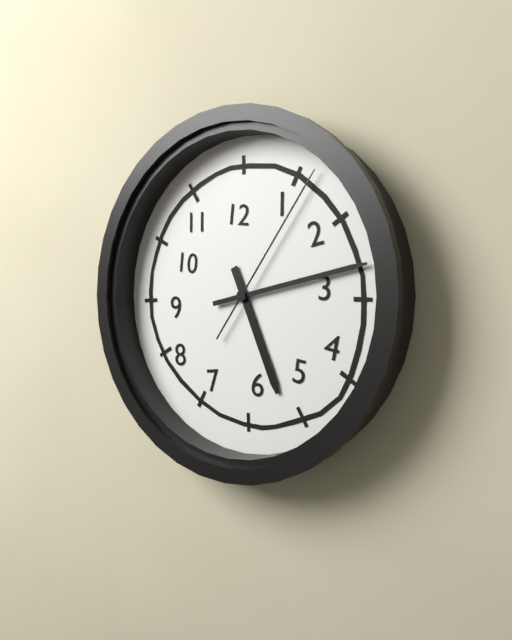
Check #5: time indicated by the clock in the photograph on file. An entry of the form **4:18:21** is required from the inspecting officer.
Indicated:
**5:13:06**
